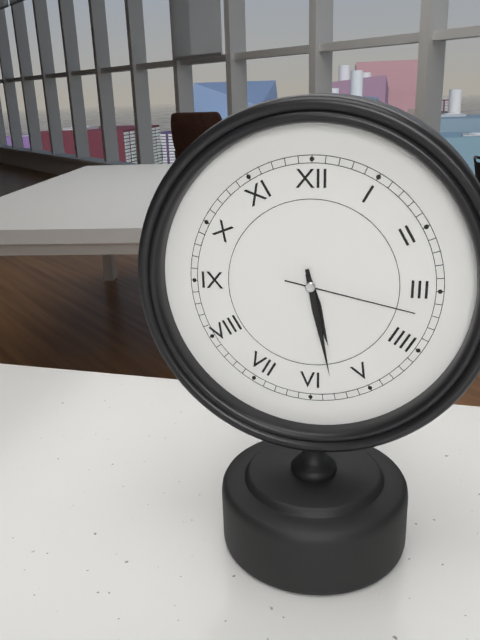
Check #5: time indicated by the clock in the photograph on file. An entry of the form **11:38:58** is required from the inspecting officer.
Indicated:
**5:28:17**
